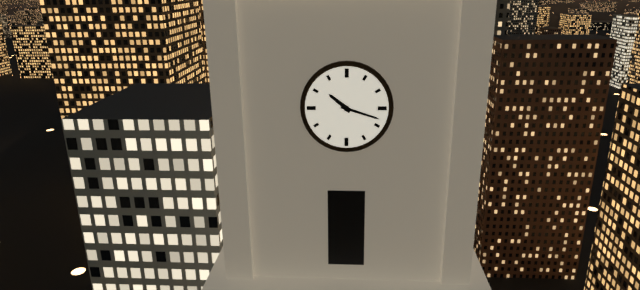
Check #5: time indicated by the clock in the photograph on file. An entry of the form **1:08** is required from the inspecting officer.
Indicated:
**10:18**
